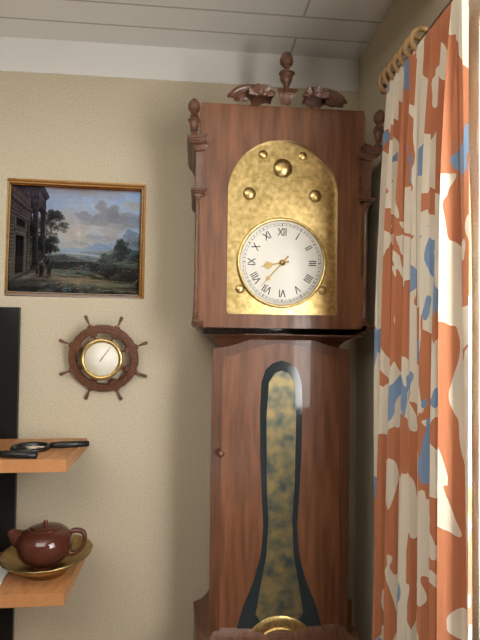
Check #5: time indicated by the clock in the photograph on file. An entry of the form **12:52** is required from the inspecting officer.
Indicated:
**8:37**
